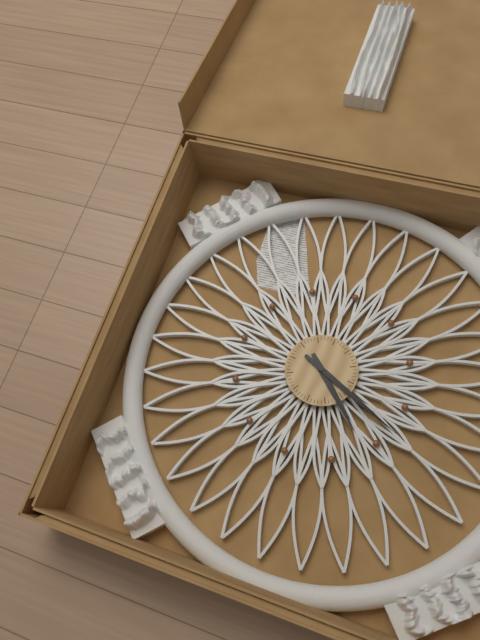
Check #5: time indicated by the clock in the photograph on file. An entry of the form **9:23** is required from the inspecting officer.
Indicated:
**4:18**
